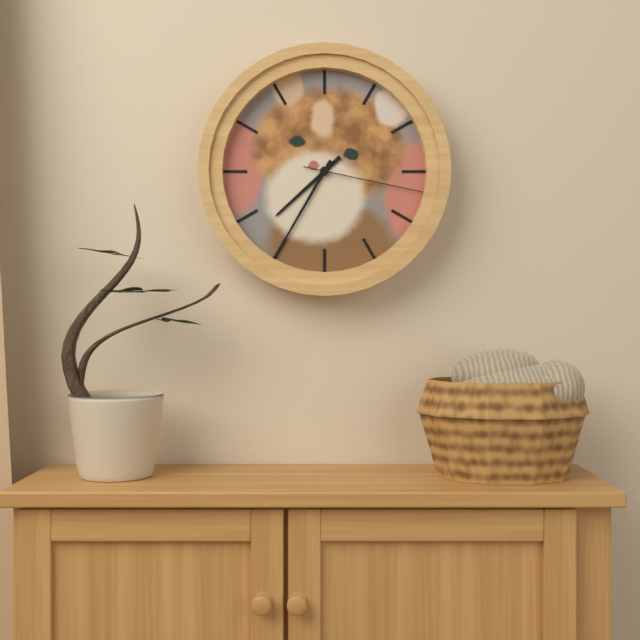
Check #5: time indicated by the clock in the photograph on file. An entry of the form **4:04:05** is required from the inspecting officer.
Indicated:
**7:35:17**
